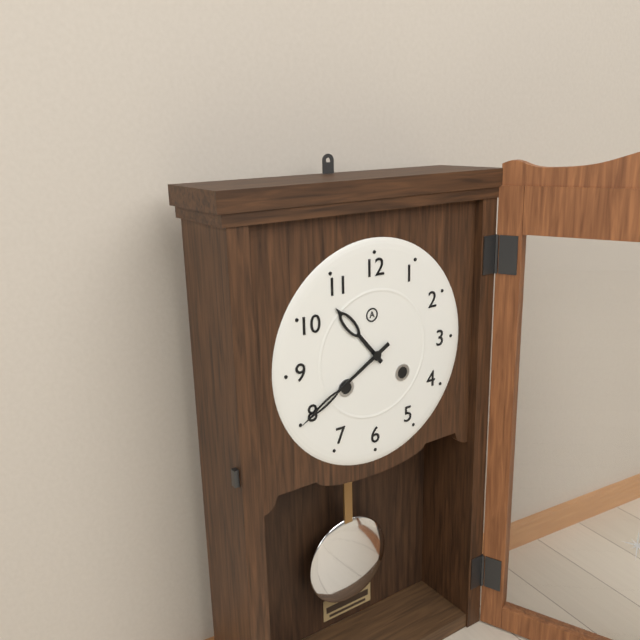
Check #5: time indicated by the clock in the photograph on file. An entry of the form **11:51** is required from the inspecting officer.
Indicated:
**10:40**
